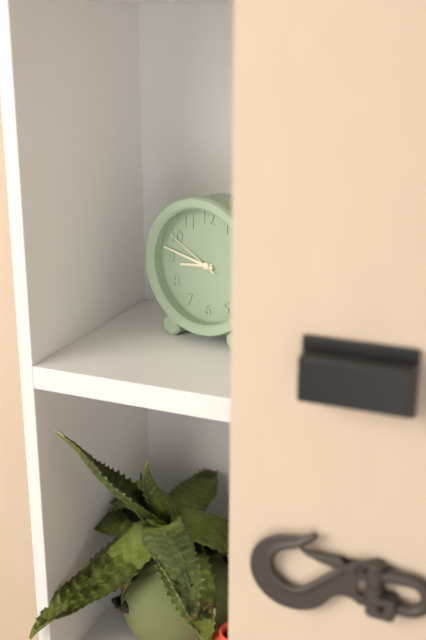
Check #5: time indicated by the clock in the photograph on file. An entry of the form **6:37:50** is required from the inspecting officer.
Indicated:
**8:47:50**
